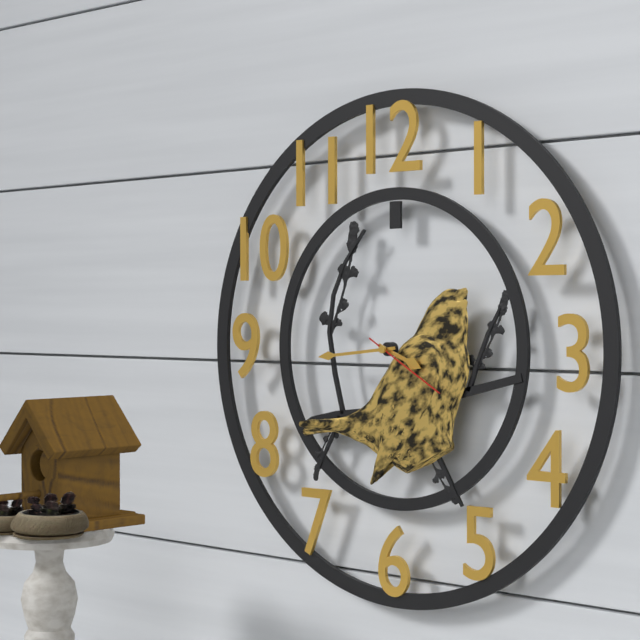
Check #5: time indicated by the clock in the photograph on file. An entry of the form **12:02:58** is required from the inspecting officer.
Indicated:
**3:44:20**
